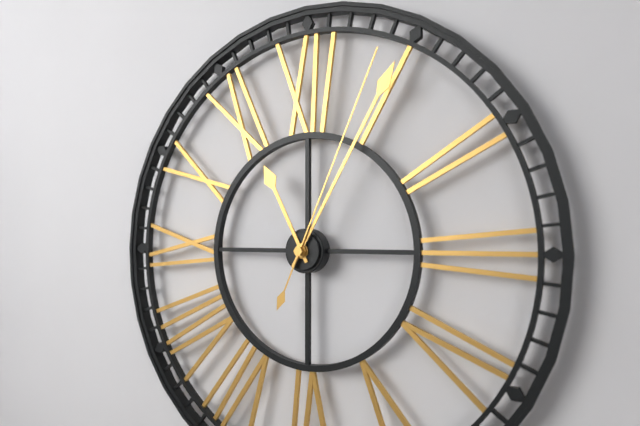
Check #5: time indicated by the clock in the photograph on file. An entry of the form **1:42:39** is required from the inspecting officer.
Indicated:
**11:05:04**
